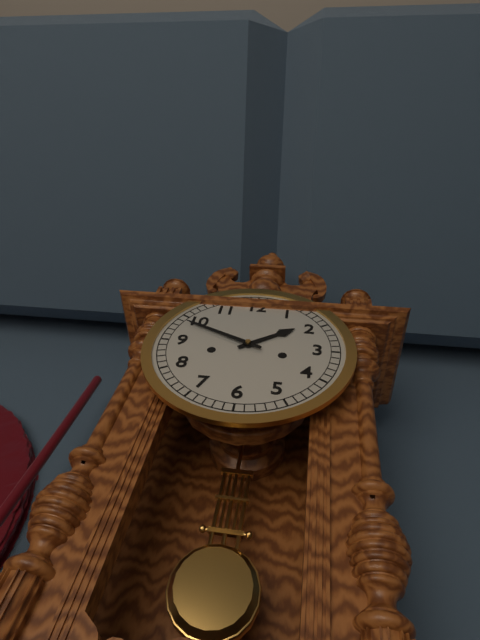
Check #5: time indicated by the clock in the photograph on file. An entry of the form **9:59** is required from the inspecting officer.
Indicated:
**1:49**
